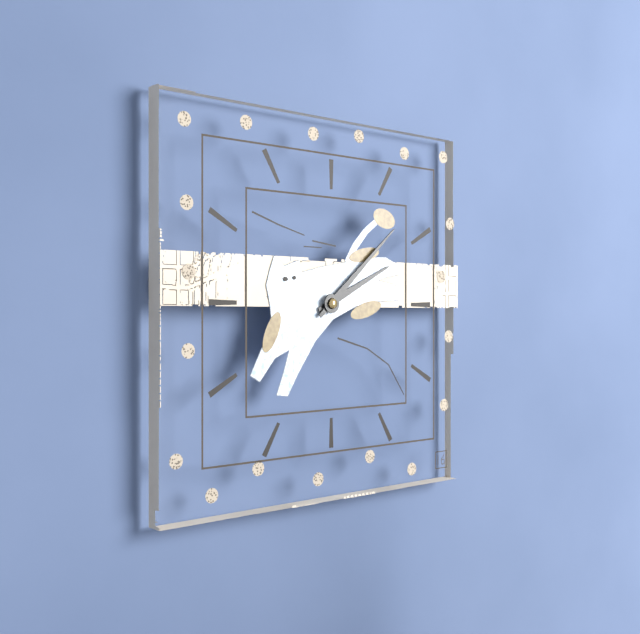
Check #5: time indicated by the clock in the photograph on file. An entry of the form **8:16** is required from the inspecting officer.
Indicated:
**2:08**
